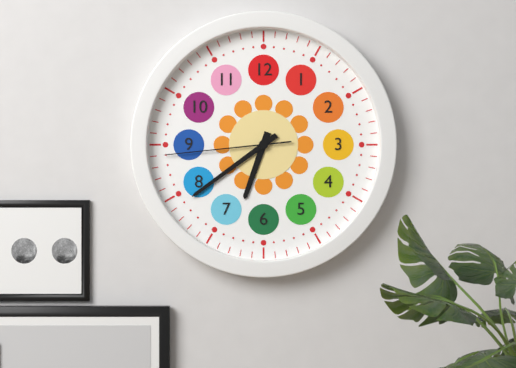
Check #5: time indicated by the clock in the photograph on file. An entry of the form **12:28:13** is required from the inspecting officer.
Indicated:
**6:39:44**
